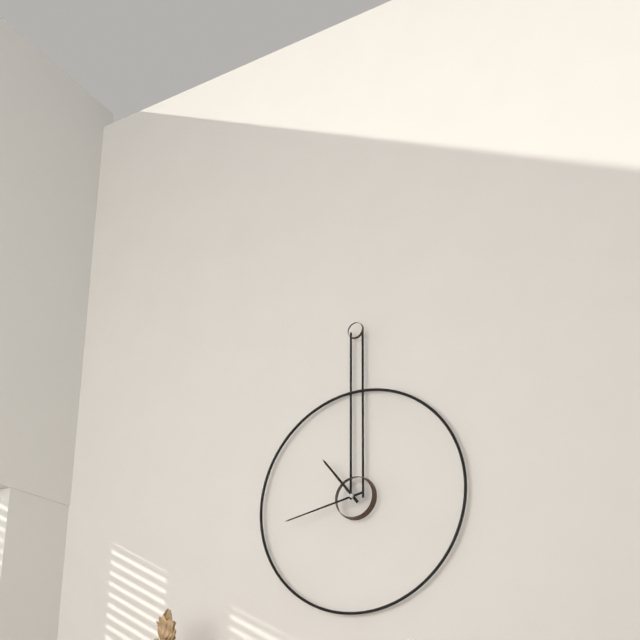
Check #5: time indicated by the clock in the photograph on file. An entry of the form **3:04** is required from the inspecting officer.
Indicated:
**10:43**
